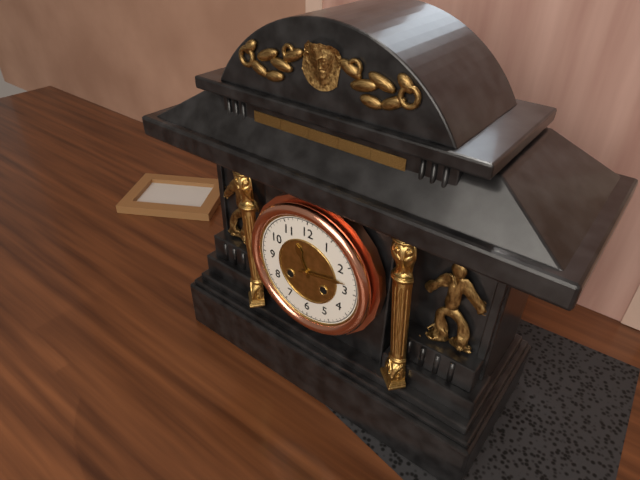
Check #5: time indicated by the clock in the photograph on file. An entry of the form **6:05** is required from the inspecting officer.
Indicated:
**11:13**
